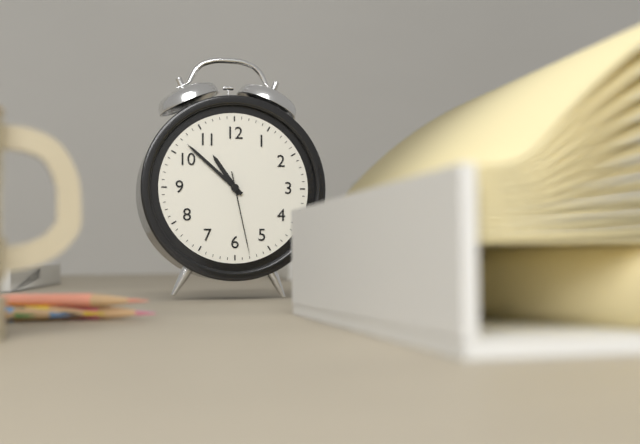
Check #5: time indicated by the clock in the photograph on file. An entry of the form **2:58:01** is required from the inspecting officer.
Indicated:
**10:52:28**
